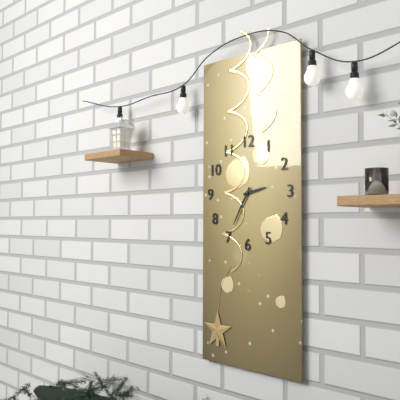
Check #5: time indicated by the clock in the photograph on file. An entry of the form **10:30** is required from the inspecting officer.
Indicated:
**2:35**
